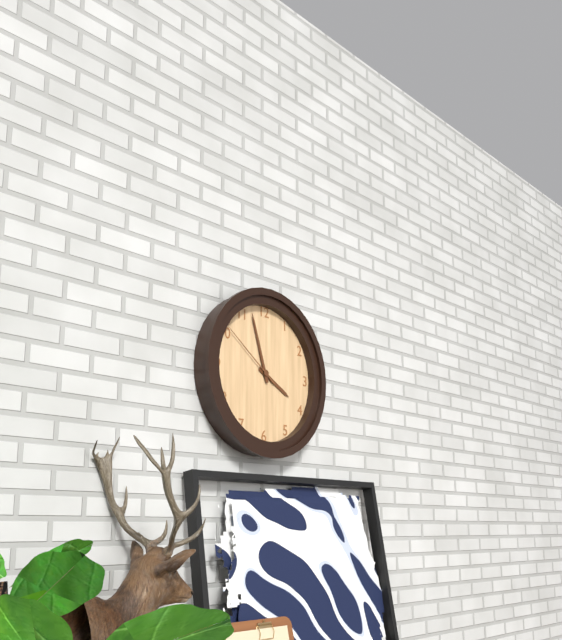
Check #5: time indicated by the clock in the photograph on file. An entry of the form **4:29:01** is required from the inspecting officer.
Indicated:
**3:57:51**
